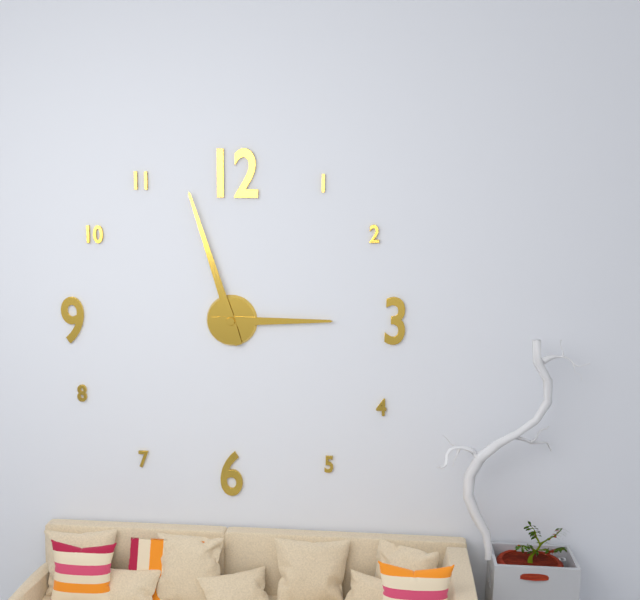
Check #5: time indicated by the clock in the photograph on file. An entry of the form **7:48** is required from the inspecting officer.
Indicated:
**2:57**
